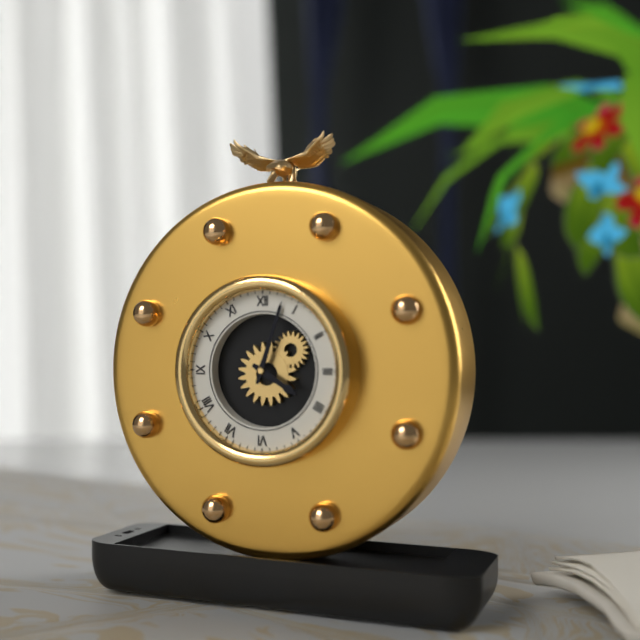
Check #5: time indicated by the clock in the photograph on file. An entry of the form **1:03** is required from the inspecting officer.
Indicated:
**4:03**
